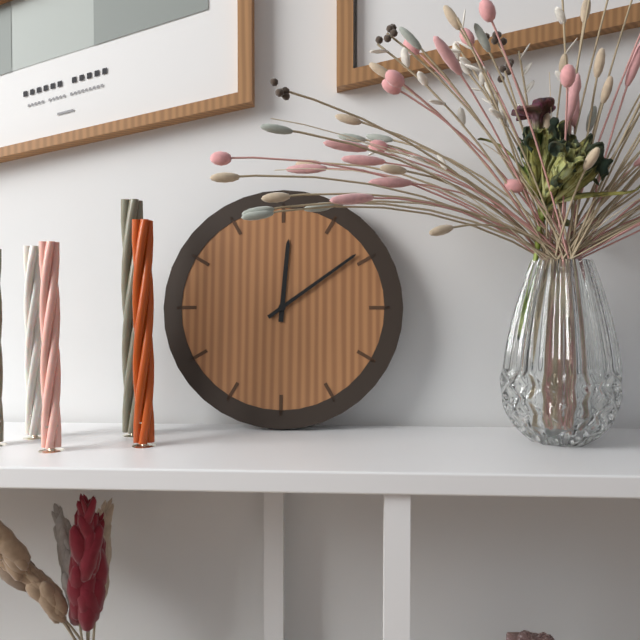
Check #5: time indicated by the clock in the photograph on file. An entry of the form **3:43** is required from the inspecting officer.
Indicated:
**12:09**
